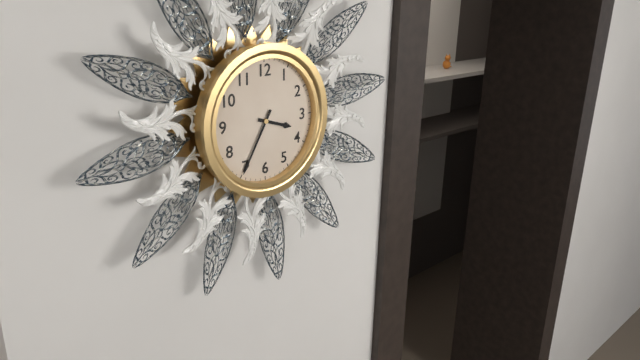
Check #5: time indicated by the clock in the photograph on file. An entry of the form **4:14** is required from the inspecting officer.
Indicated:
**3:35**
